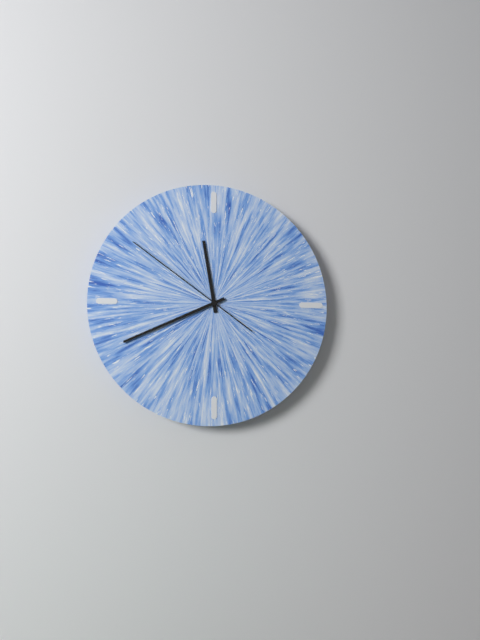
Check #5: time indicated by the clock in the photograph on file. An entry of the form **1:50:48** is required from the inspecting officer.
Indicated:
**11:41:51**
